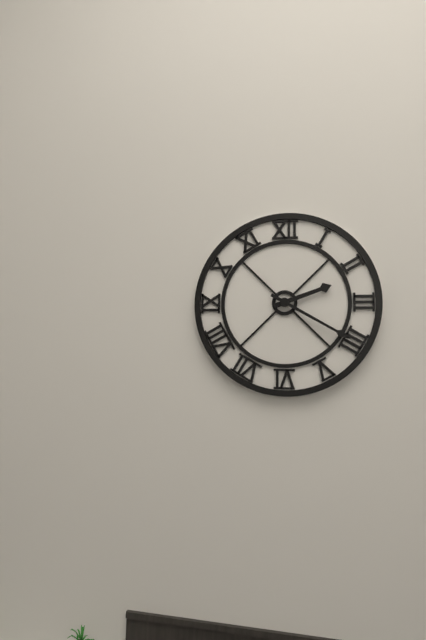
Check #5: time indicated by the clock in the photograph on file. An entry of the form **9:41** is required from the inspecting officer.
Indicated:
**2:20**
